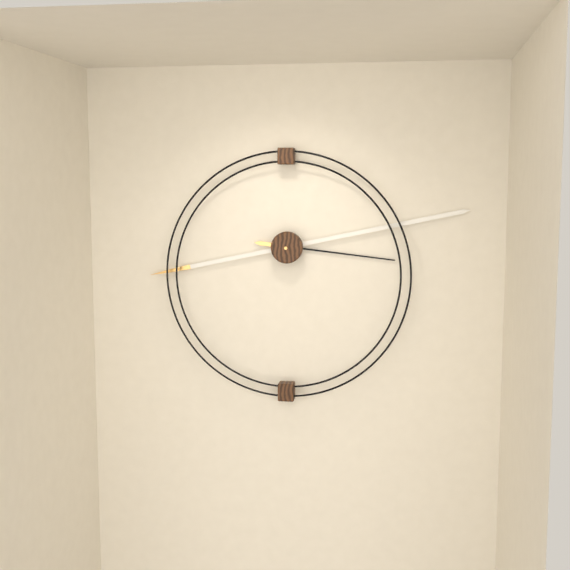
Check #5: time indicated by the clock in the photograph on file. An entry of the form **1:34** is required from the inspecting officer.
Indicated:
**3:13**
